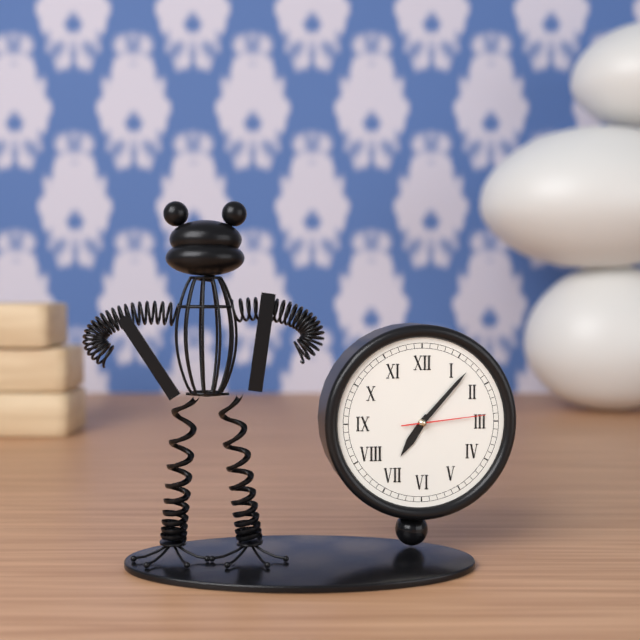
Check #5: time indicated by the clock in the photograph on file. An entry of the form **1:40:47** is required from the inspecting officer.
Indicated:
**7:07:14**
